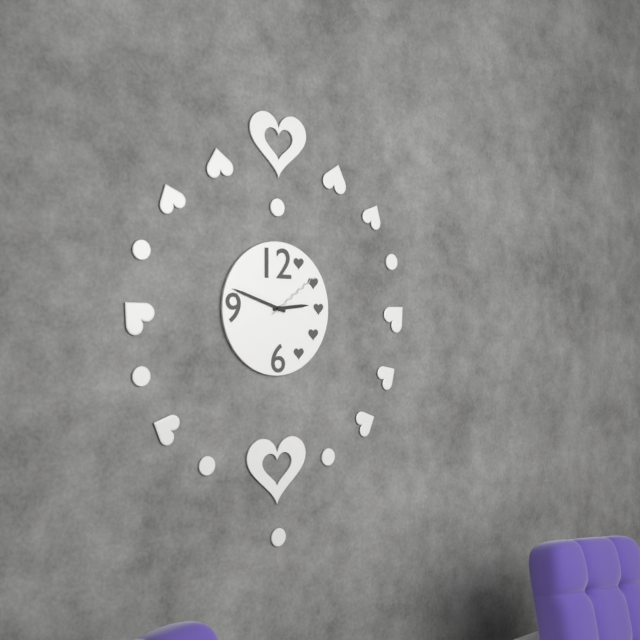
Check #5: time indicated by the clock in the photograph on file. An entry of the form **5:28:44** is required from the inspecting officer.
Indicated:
**2:48:09**
